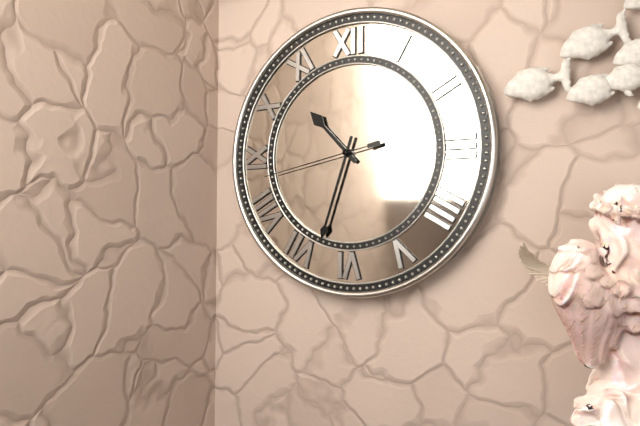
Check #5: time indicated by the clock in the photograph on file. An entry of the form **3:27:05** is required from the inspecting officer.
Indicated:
**10:33:43**
